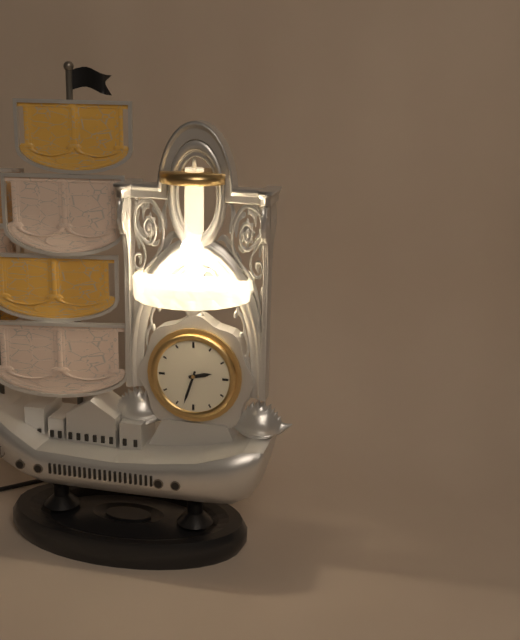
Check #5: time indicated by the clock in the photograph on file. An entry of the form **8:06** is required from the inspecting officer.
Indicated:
**2:33**
